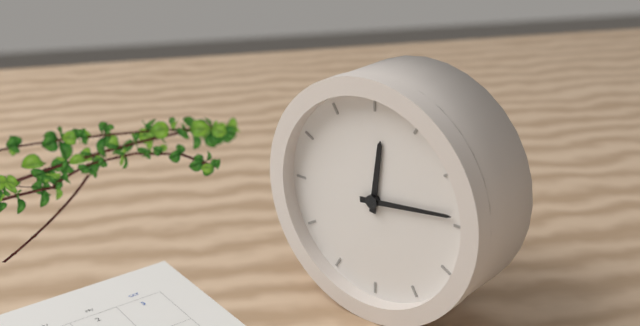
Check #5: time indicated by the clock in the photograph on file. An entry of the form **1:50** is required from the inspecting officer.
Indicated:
**12:14**
